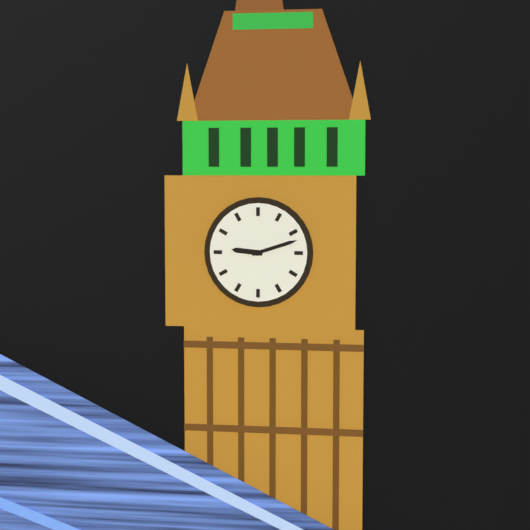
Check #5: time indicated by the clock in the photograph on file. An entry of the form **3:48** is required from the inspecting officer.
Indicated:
**9:12**
